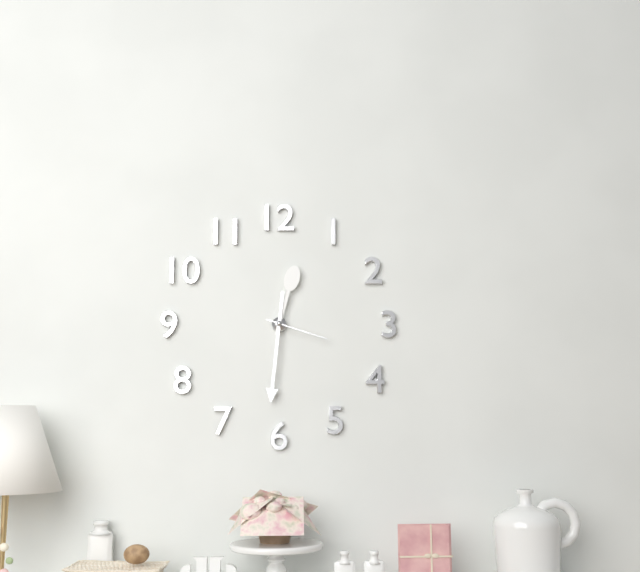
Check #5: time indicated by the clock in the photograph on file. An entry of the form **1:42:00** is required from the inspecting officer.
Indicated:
**12:31:18**
